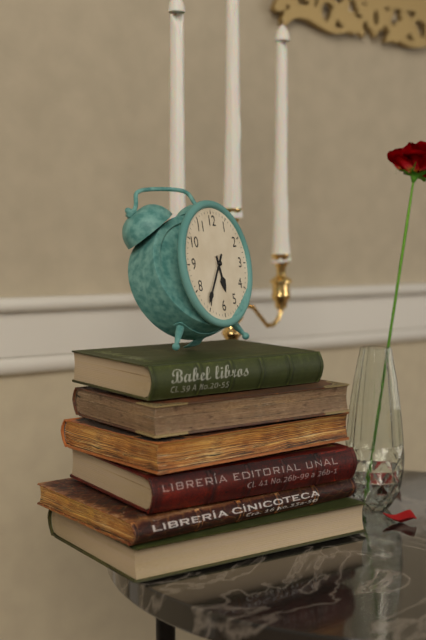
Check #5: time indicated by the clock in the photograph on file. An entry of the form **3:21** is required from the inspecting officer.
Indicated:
**5:36**
